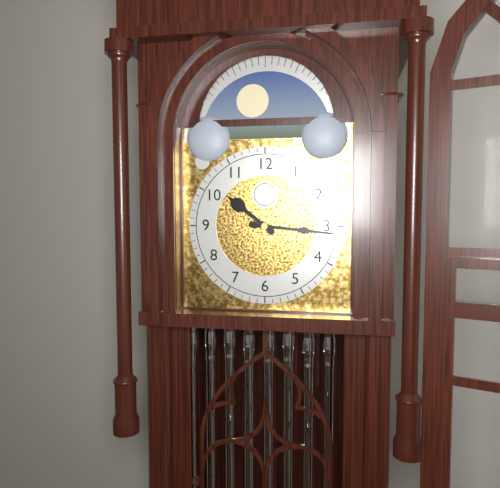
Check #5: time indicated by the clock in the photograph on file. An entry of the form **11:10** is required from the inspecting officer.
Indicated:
**10:16**
